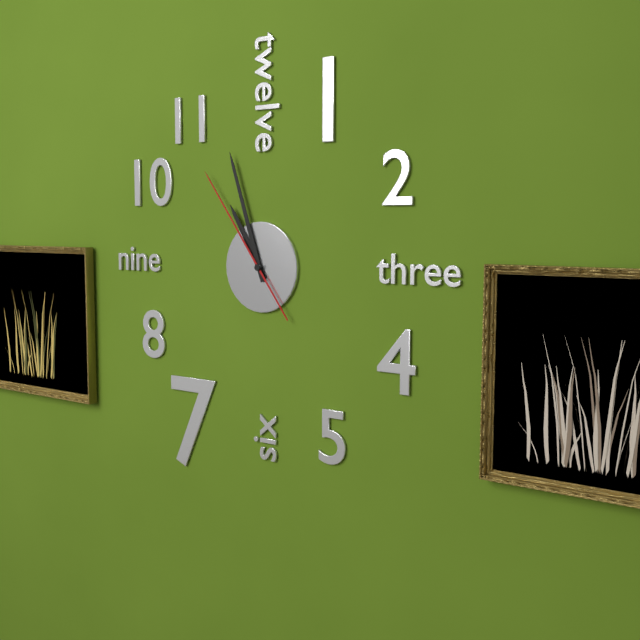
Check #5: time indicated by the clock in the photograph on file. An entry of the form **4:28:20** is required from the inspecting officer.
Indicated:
**10:57:54**
